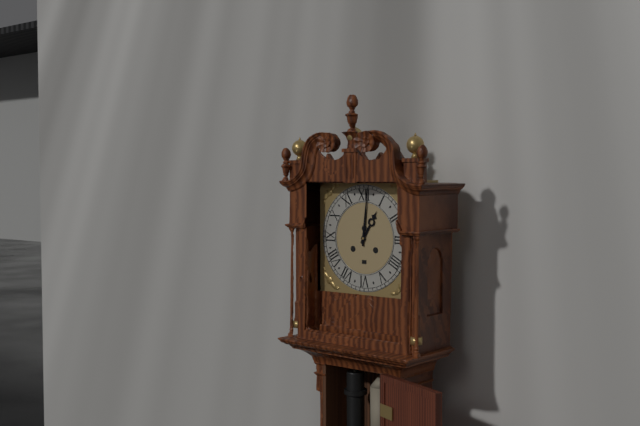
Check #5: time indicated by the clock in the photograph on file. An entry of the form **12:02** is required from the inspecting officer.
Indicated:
**1:01**
